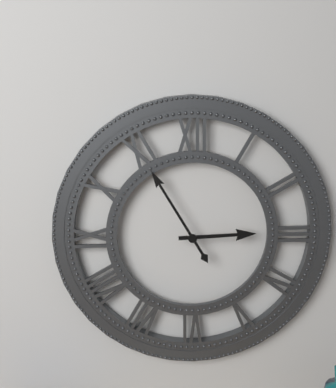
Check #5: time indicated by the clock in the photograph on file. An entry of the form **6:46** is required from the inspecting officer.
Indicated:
**2:55**
